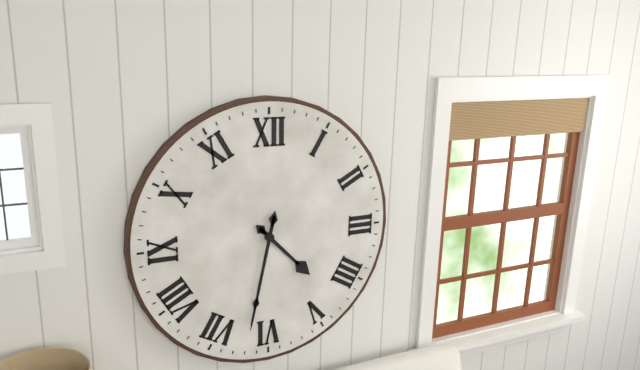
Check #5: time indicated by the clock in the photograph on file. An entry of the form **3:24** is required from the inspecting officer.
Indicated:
**4:32**
